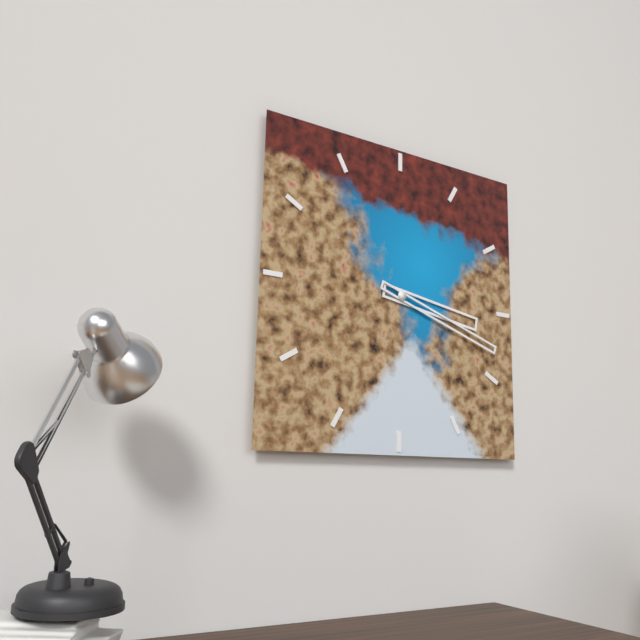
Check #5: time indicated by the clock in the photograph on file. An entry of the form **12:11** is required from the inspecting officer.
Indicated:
**3:18**
